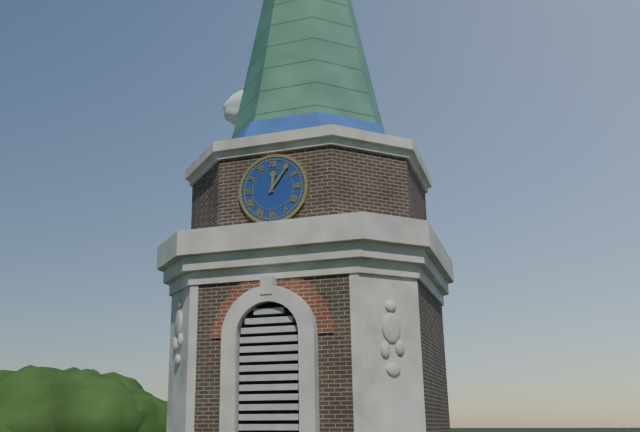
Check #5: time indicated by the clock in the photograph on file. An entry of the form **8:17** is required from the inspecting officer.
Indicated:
**12:06**
